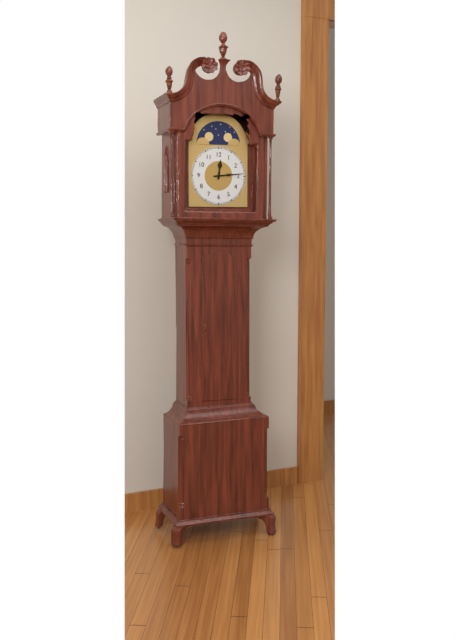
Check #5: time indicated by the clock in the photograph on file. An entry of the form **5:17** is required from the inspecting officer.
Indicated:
**12:14**
